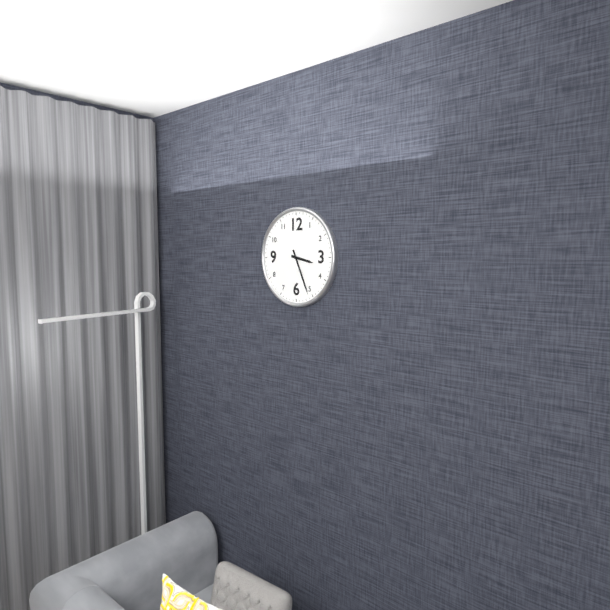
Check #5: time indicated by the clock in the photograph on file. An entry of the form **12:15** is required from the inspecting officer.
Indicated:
**3:26**
